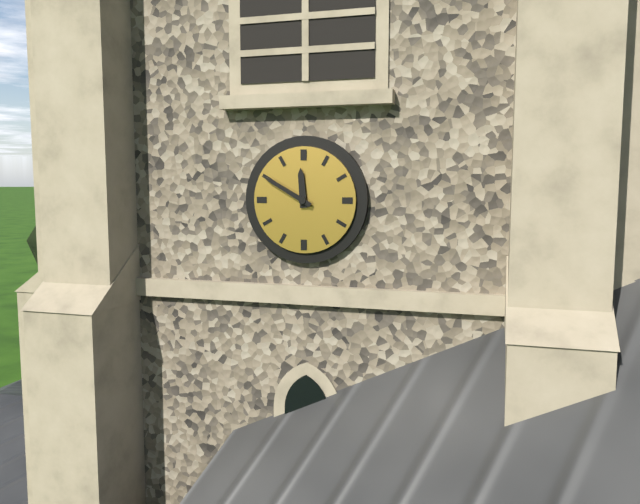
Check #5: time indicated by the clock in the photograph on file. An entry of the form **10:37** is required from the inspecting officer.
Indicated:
**11:50**
